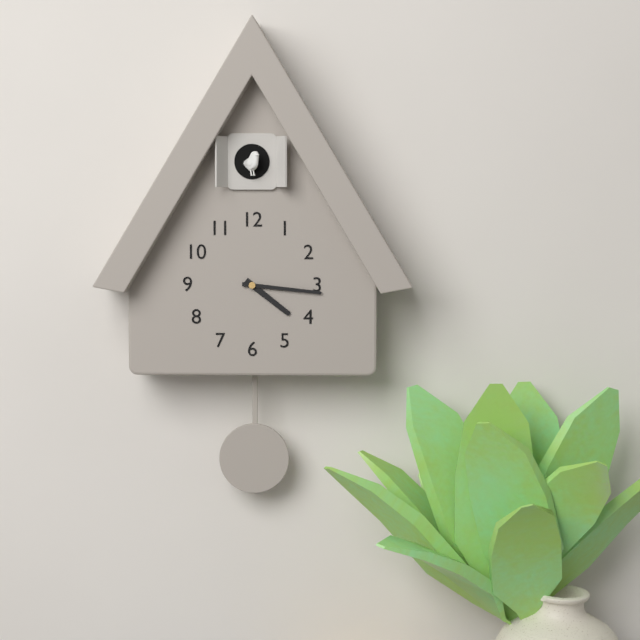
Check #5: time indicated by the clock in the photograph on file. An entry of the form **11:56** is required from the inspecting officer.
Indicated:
**4:16**
